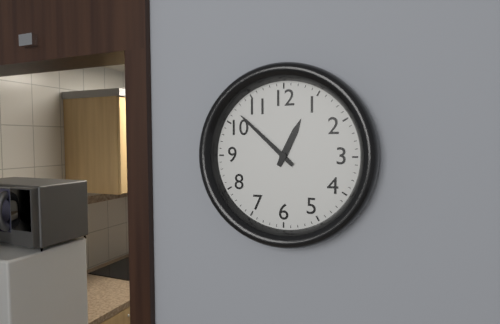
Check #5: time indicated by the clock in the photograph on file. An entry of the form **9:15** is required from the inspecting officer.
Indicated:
**12:52**
